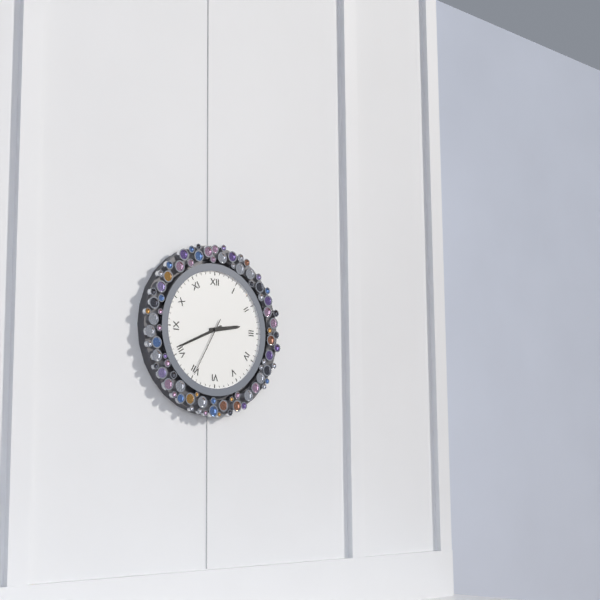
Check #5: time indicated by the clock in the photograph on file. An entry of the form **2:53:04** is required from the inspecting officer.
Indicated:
**2:41:35**
